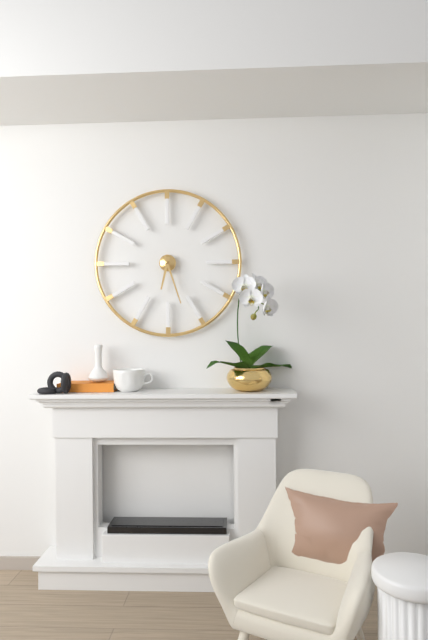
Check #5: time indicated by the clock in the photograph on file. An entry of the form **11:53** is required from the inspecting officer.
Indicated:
**6:27**
